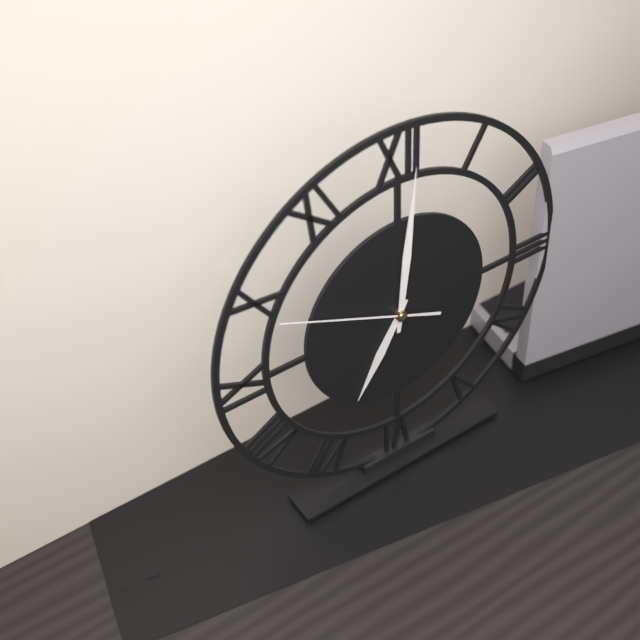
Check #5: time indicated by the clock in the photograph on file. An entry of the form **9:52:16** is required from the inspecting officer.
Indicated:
**7:01:49**
